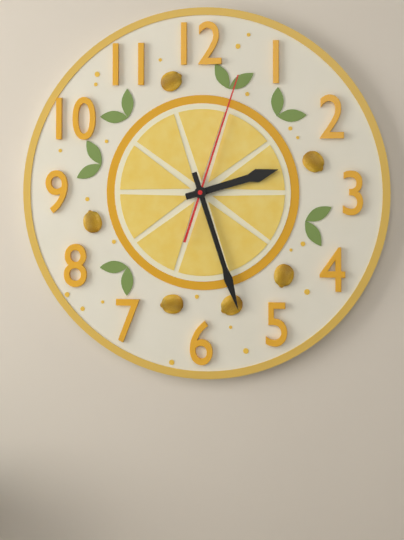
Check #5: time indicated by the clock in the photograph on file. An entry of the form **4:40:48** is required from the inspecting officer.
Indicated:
**2:27:03**
